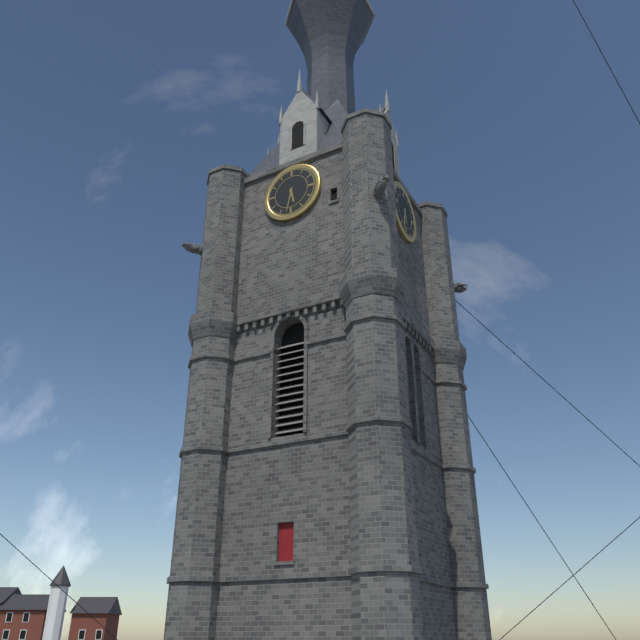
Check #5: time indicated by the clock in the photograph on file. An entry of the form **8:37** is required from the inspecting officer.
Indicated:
**5:32**
